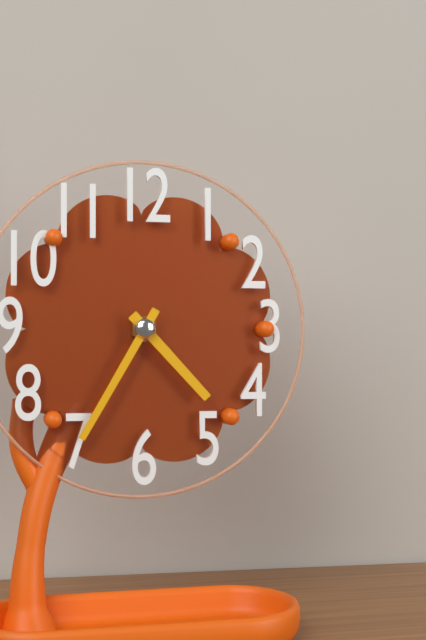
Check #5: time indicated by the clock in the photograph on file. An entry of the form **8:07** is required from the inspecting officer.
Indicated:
**4:35**
